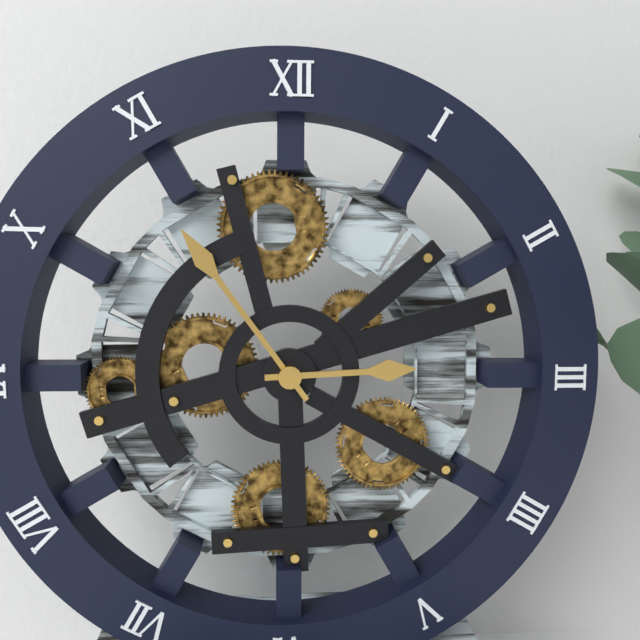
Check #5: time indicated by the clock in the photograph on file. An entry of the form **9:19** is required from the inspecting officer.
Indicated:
**2:54**
